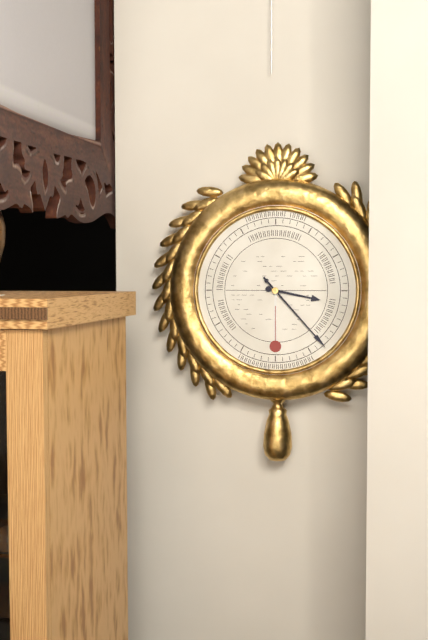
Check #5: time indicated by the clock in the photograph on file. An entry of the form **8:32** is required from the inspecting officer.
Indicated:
**3:23**
